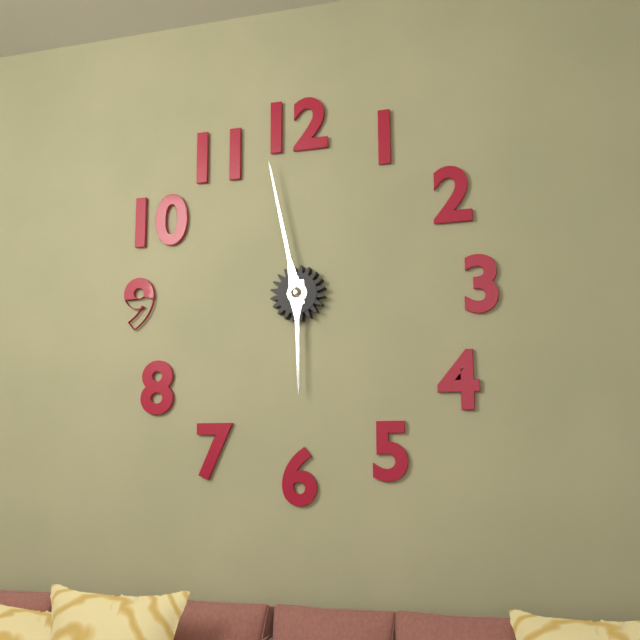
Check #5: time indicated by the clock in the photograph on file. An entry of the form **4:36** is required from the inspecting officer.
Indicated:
**5:58**
